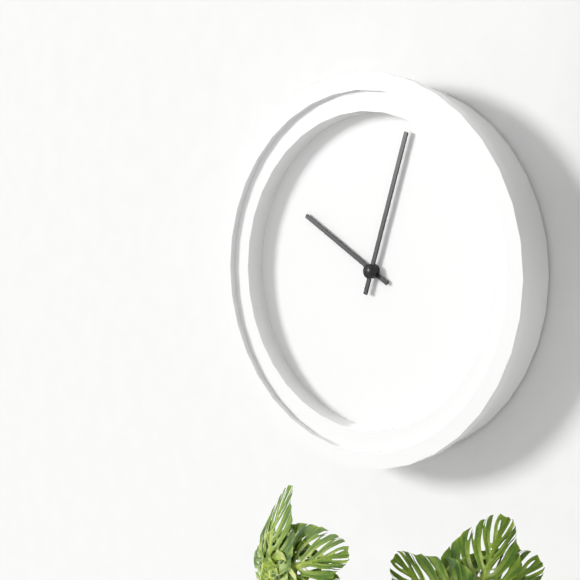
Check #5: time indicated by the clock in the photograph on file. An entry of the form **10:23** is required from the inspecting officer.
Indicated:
**10:03**
